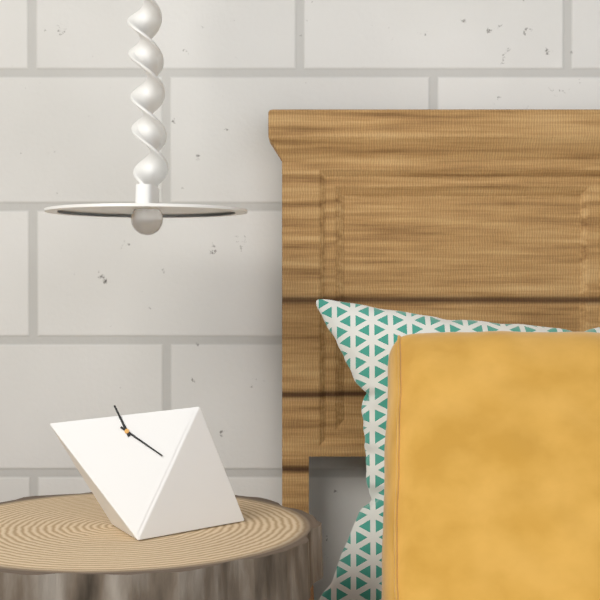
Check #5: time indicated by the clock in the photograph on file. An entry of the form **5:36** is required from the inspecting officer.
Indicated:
**11:22**
